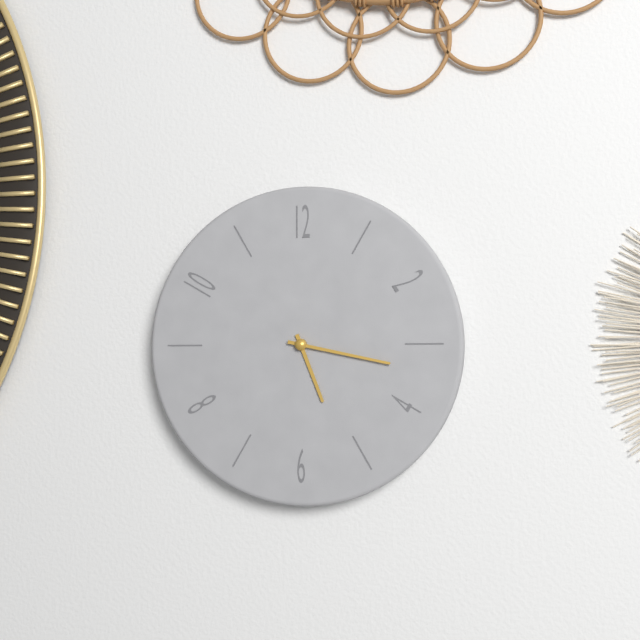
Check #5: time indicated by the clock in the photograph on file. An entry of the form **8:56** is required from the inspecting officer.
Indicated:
**5:17**
